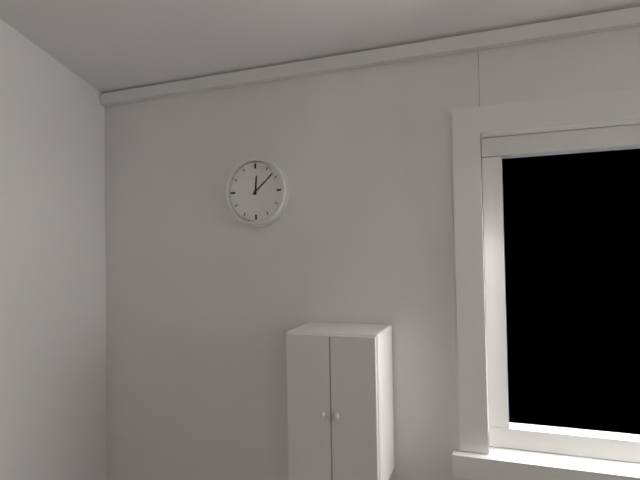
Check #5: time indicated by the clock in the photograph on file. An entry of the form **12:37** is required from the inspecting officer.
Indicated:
**12:08**
